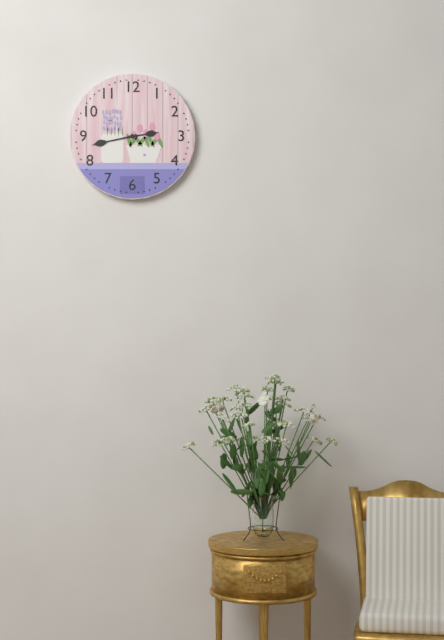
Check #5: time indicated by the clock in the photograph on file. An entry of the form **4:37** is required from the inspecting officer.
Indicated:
**2:43**
